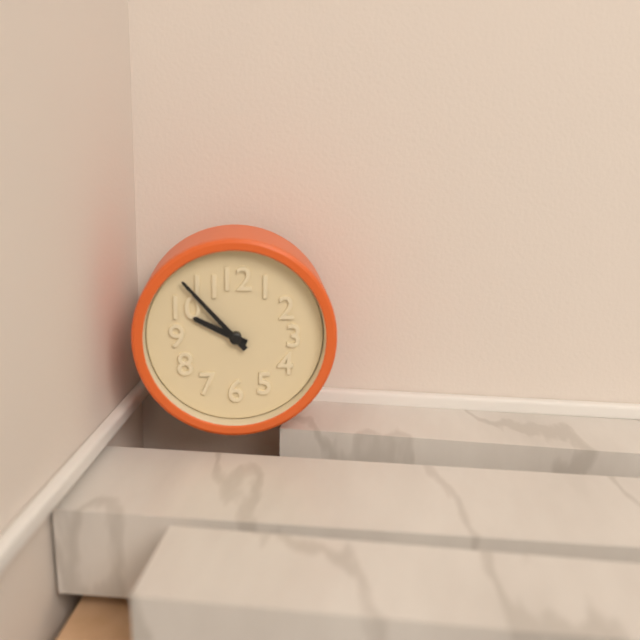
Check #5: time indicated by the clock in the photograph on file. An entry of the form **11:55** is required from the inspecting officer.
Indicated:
**9:53**
